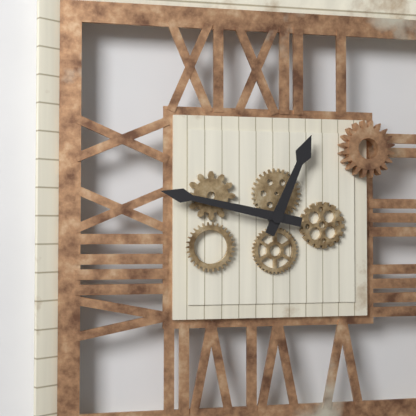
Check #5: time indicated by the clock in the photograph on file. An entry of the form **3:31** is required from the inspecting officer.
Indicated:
**12:47**
